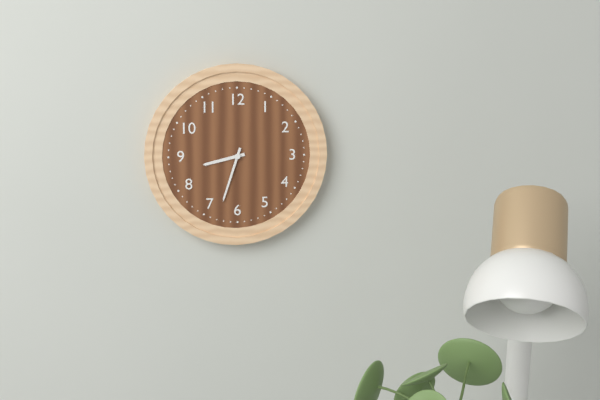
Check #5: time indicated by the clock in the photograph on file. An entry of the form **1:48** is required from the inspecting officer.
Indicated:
**8:33**
